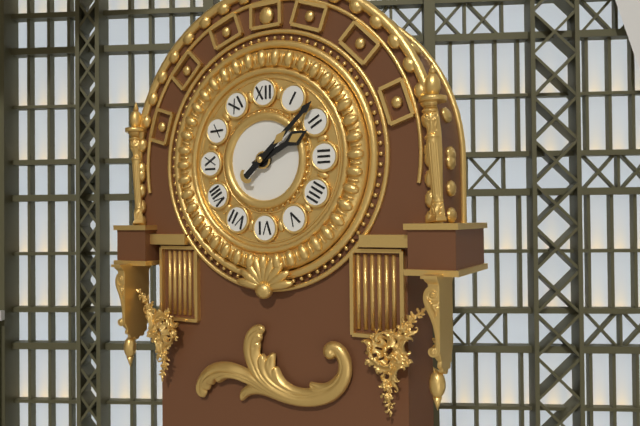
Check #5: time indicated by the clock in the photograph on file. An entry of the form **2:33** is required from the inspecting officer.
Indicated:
**2:08**
